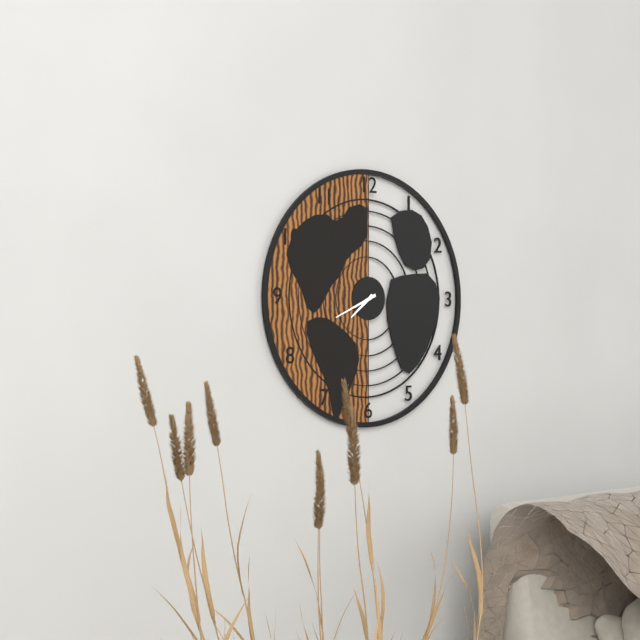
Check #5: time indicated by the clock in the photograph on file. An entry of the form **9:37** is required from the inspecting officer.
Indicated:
**7:41**
